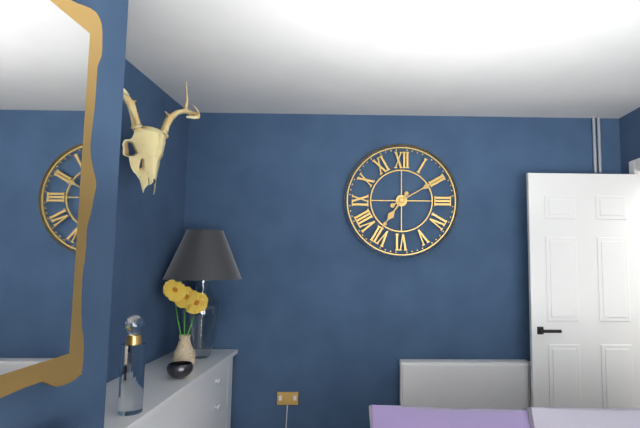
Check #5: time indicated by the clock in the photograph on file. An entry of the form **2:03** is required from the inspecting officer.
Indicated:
**7:10**
